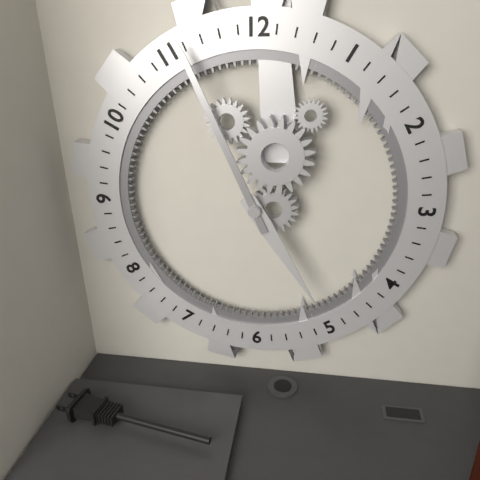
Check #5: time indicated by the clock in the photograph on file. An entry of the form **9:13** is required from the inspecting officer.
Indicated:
**4:56**
